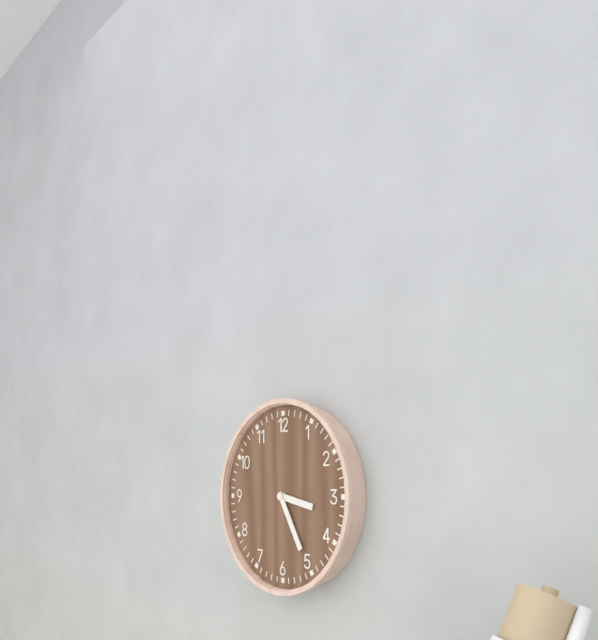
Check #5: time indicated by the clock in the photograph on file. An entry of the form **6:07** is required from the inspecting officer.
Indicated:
**3:25**
